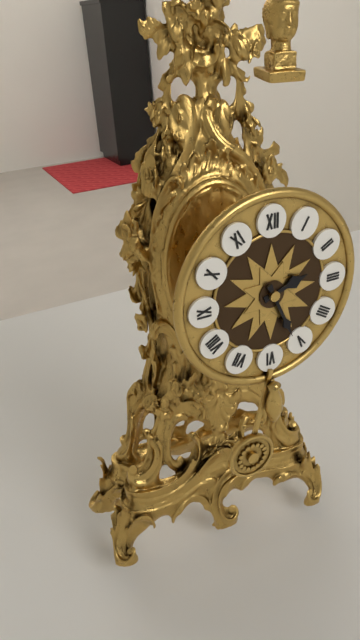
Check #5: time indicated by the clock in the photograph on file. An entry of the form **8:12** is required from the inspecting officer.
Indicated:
**2:26**
